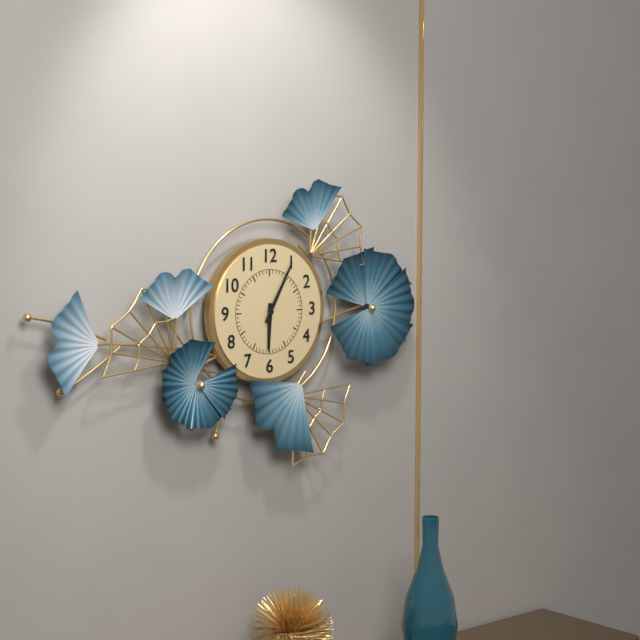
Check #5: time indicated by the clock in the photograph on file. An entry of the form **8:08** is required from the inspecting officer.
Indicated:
**6:05**
